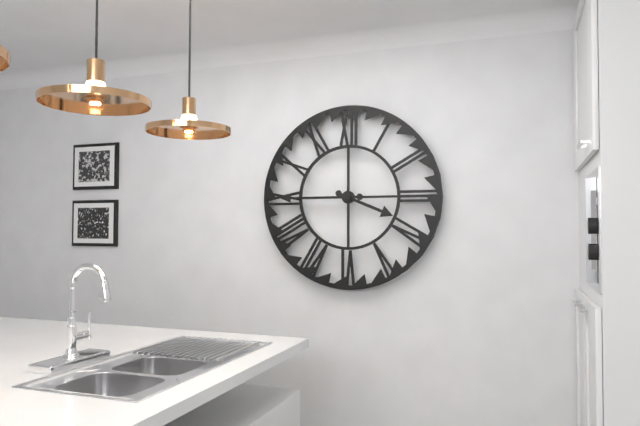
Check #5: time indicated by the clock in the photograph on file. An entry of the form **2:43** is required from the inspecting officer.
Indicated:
**3:45**
